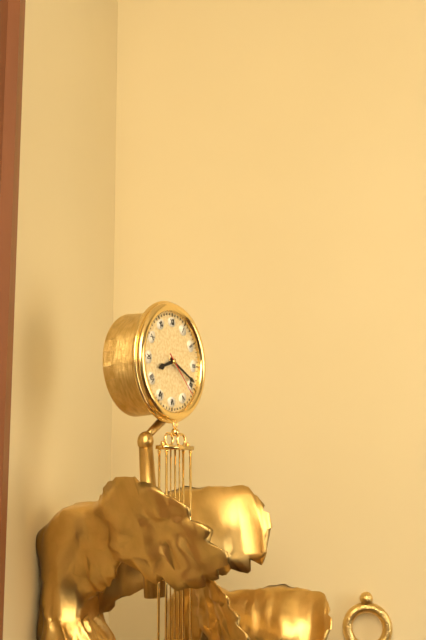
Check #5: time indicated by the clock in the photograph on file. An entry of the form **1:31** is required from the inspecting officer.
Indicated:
**8:19**
